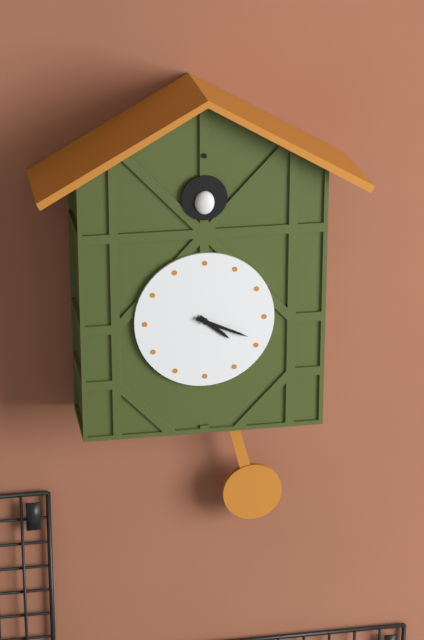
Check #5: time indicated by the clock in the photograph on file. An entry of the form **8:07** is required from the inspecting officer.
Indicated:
**4:19**
